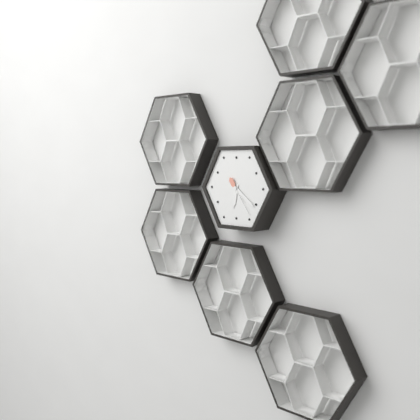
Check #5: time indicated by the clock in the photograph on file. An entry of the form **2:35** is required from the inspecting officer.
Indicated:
**6:21**
